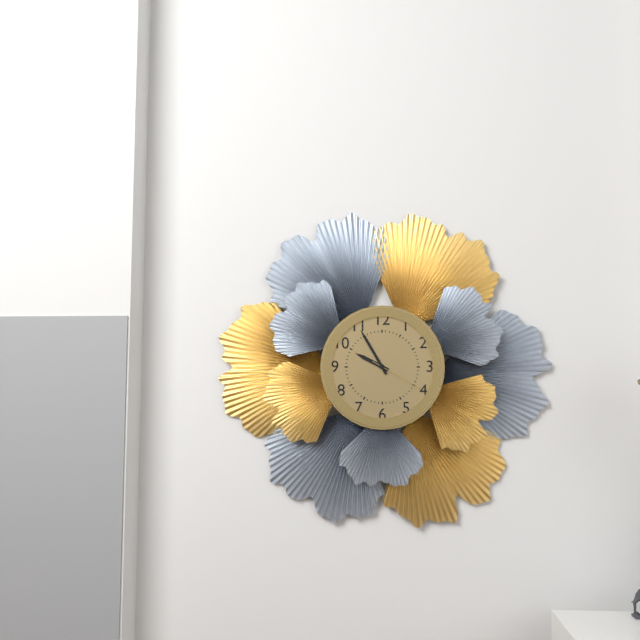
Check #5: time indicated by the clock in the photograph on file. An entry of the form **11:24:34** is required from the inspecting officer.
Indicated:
**9:55:20**
